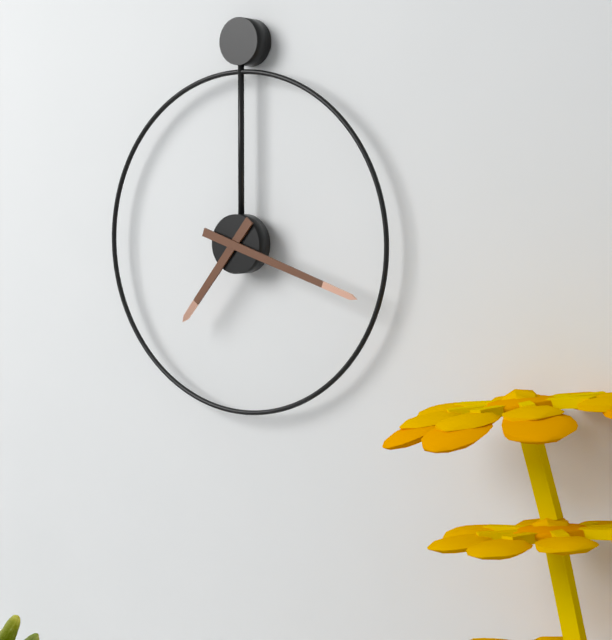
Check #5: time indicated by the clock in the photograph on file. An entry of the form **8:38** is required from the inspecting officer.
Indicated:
**7:18**
